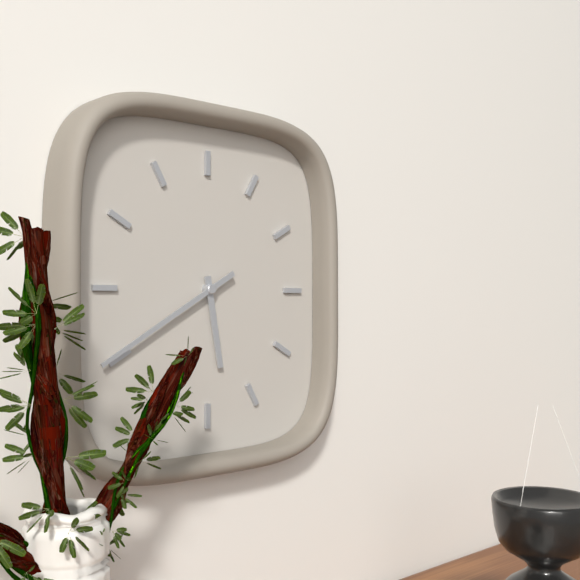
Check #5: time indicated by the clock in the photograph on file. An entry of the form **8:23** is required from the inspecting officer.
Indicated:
**5:40**
